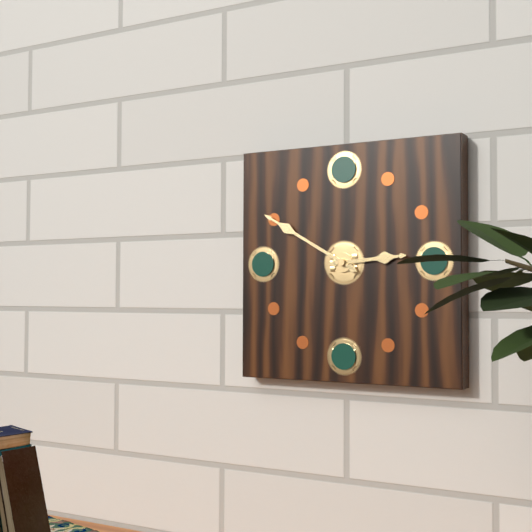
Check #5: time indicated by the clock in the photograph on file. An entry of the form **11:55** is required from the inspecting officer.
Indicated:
**2:50**
